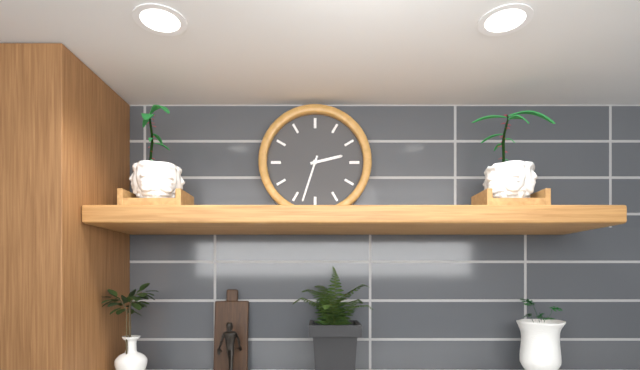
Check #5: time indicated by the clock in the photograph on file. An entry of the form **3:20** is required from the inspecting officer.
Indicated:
**2:33**
